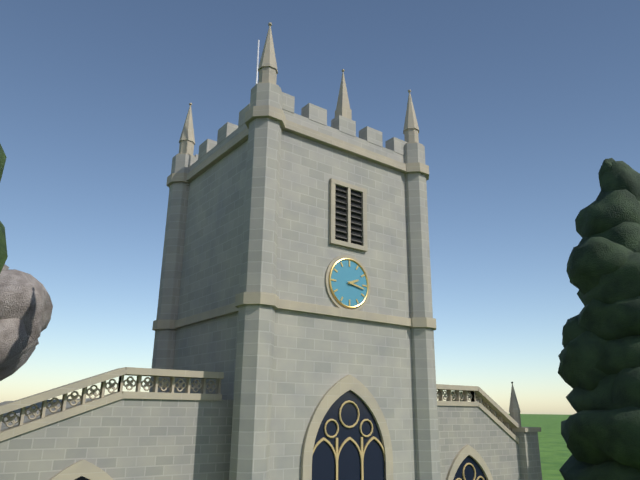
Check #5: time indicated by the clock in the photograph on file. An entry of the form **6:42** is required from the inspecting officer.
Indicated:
**2:17**
